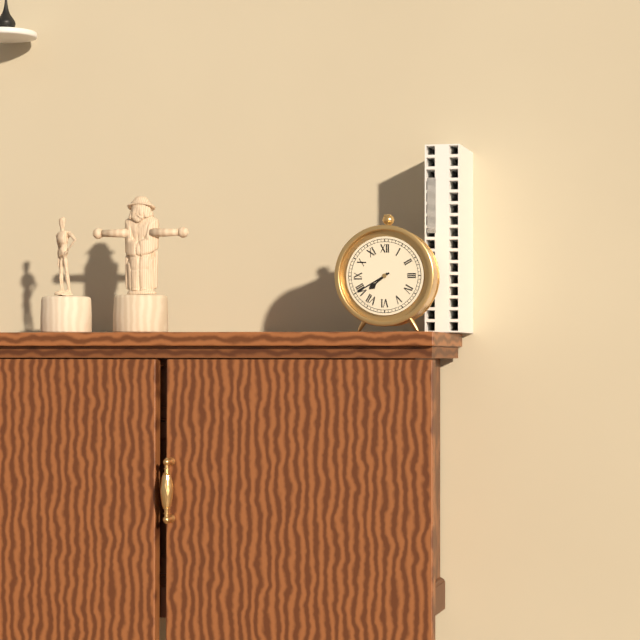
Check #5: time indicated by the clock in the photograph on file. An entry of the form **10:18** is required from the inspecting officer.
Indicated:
**7:40**
